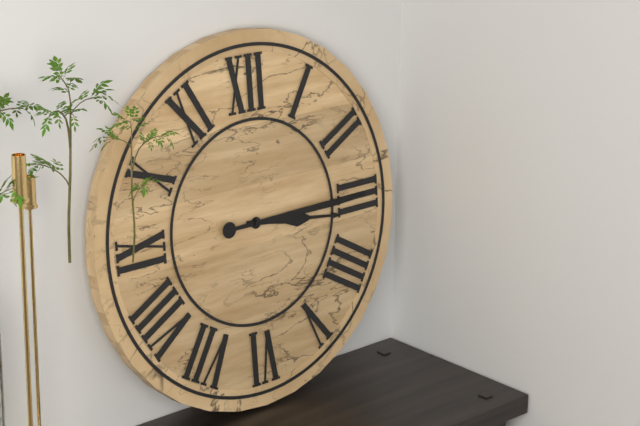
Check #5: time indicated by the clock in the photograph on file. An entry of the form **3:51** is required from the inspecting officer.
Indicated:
**3:15**
